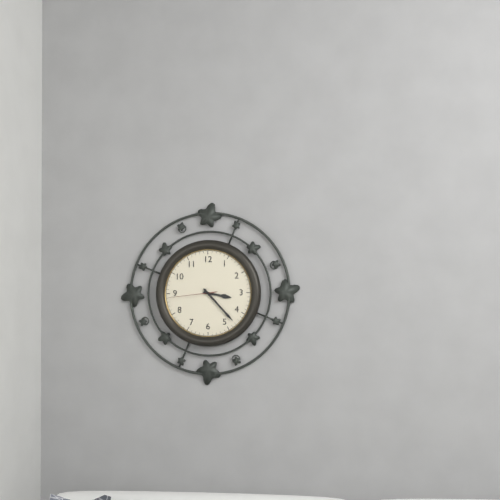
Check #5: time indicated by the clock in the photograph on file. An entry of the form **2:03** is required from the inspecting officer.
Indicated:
**3:23**
